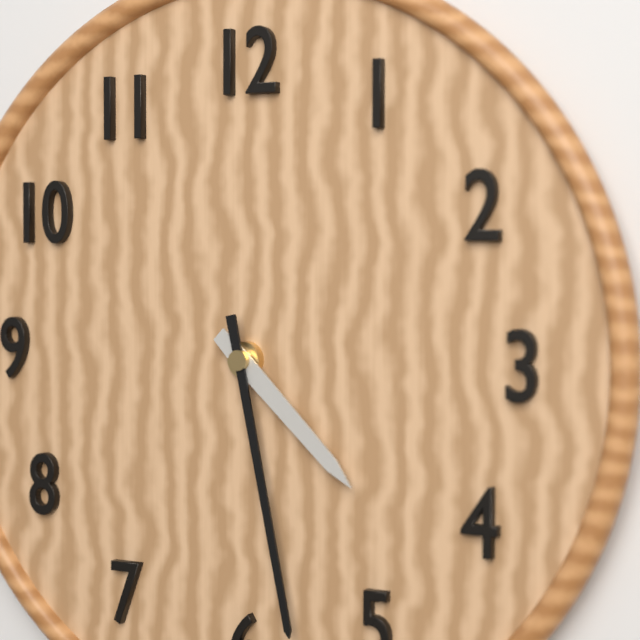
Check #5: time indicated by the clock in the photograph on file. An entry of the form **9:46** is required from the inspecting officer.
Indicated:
**4:28**
